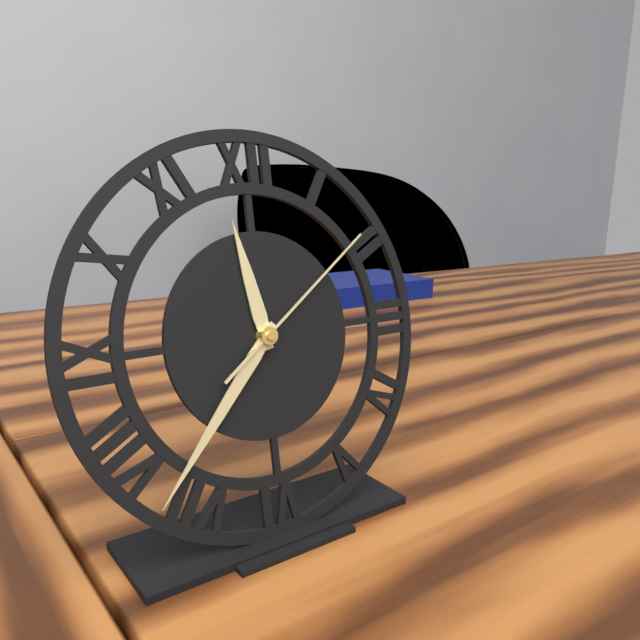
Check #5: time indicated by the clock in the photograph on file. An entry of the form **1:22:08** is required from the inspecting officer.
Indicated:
**11:37:09**
